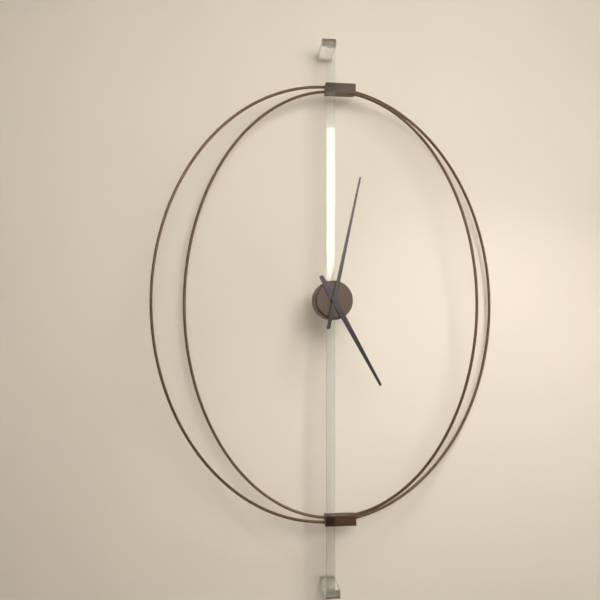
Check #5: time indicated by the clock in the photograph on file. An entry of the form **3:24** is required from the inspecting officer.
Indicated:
**5:02**
